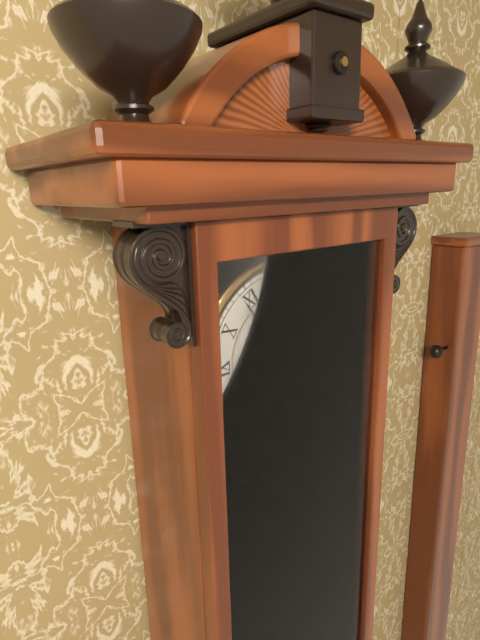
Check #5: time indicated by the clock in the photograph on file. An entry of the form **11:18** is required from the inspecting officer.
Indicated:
**1:54**
